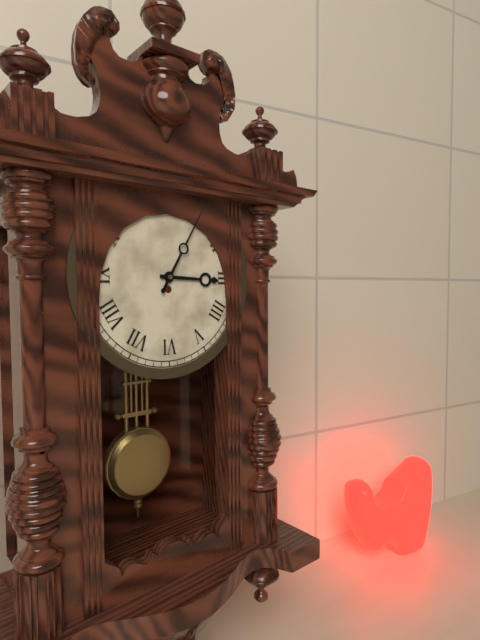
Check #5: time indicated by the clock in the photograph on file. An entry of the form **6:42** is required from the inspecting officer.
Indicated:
**3:05**
